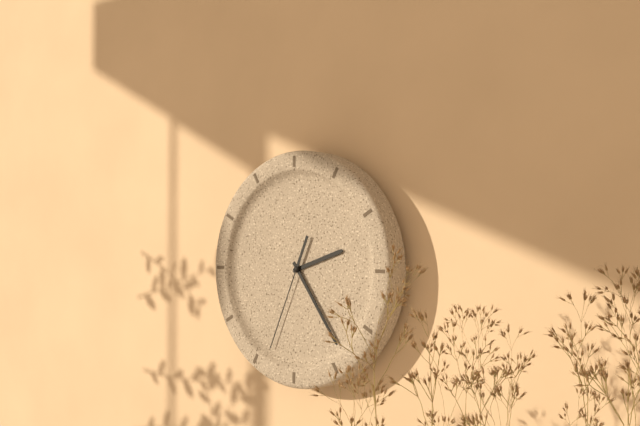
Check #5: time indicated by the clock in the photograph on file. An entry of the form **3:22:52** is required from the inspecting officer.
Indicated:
**2:24:34**
